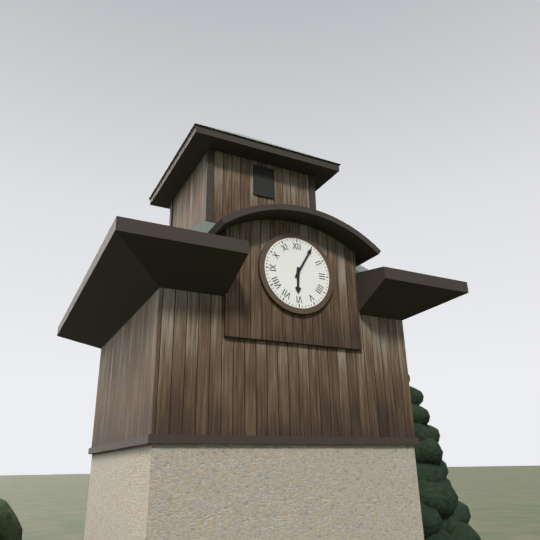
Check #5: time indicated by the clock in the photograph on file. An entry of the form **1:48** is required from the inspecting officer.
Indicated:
**6:05**
